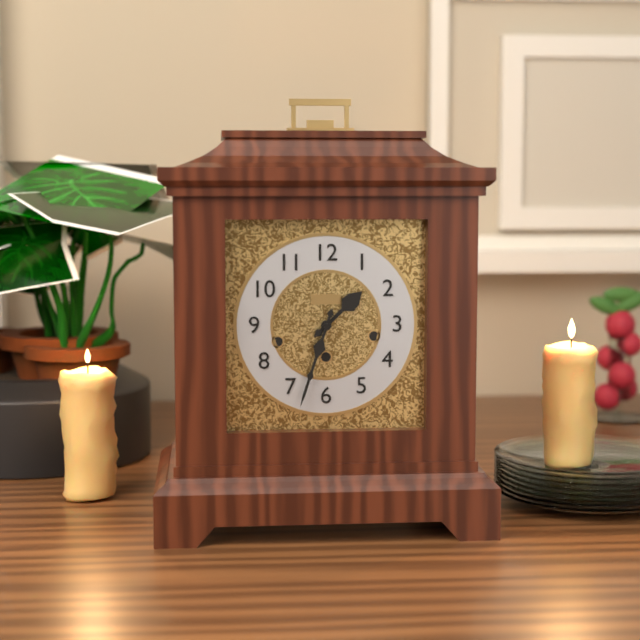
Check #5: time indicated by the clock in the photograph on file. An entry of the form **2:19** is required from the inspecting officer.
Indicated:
**1:33**
